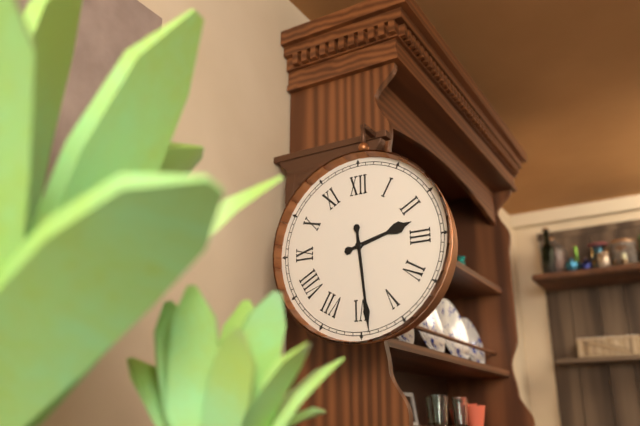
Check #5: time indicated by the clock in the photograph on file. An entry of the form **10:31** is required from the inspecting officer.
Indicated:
**2:29**
